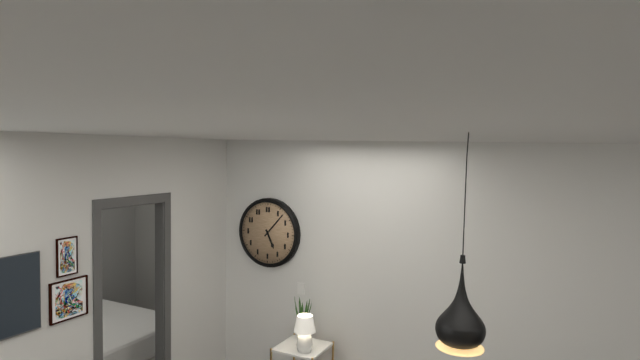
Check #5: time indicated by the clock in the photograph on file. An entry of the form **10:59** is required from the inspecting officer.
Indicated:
**5:07**
